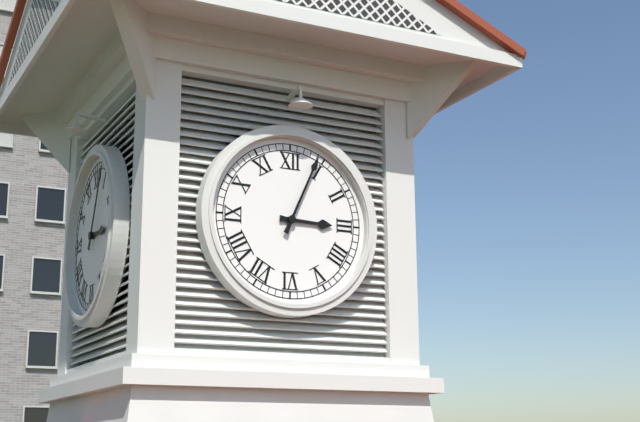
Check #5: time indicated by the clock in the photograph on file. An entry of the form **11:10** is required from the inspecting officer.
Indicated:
**3:04**
